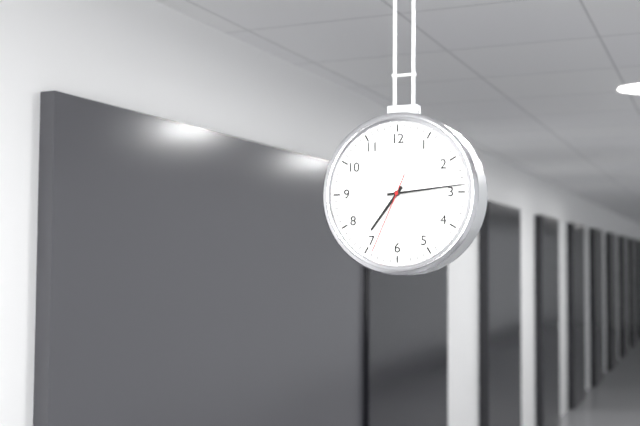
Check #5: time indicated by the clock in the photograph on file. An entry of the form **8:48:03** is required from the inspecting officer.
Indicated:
**7:14:34**
